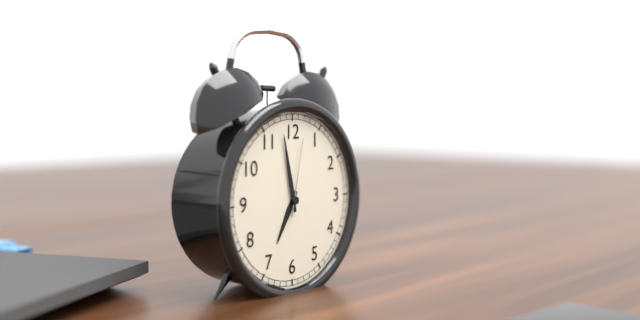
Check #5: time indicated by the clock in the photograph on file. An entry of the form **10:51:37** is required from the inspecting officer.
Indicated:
**6:58:02**
